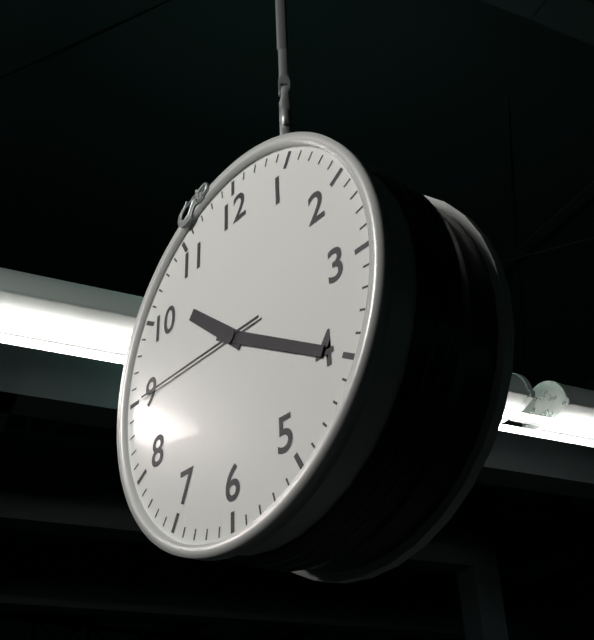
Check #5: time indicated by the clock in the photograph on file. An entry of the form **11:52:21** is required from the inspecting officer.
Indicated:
**10:20:45**
